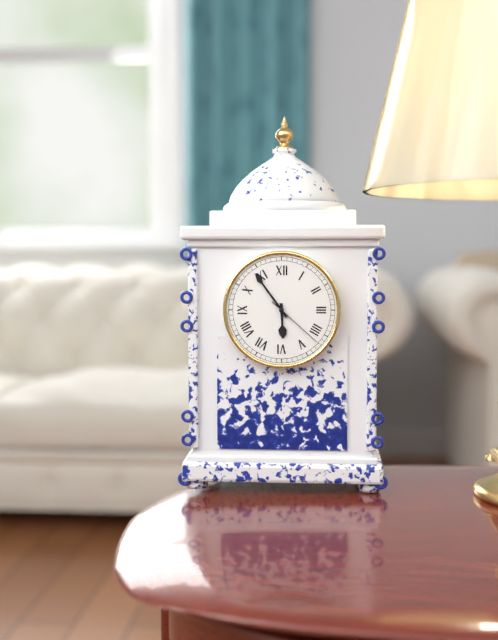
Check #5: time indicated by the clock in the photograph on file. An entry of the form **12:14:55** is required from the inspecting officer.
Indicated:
**5:54:22**
